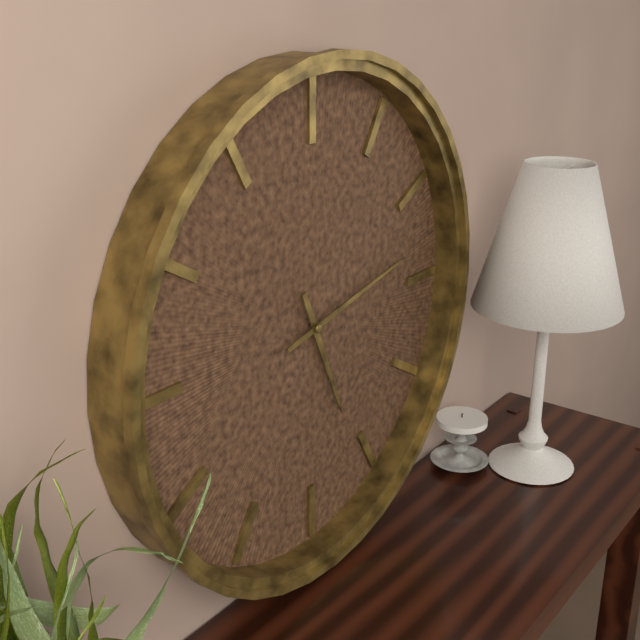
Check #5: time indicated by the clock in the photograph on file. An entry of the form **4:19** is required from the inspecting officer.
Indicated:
**5:13**
